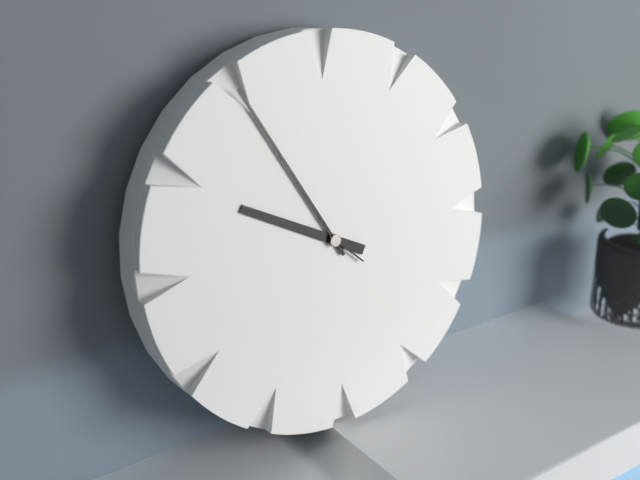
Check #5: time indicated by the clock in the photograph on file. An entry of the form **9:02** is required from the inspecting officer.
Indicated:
**9:55**
